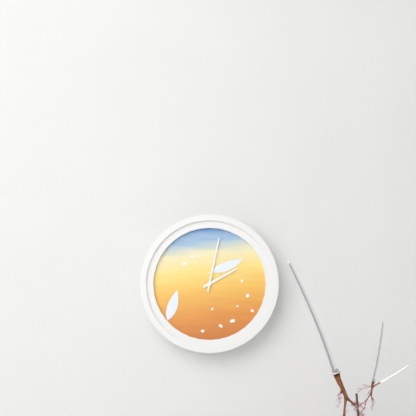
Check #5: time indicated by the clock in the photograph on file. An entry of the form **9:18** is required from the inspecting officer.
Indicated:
**2:02**
